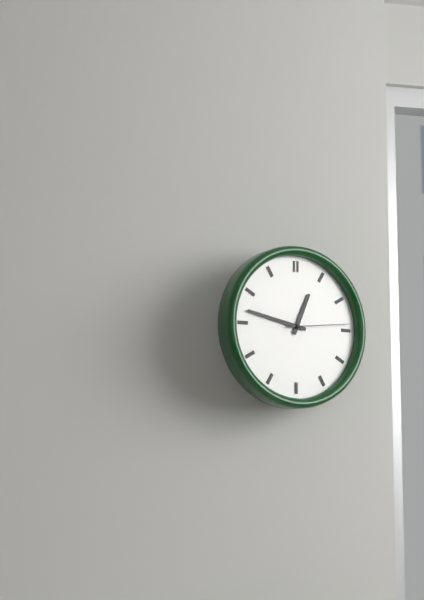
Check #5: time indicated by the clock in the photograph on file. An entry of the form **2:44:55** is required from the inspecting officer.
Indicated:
**12:47:14**
